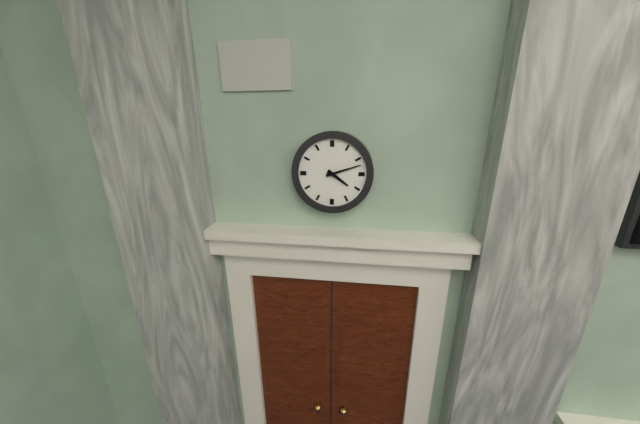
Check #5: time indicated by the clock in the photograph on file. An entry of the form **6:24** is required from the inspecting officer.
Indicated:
**4:12**
